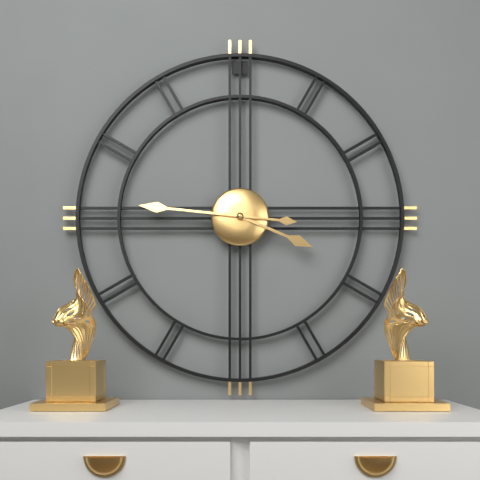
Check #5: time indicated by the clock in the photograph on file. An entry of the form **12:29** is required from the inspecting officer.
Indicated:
**3:46**
